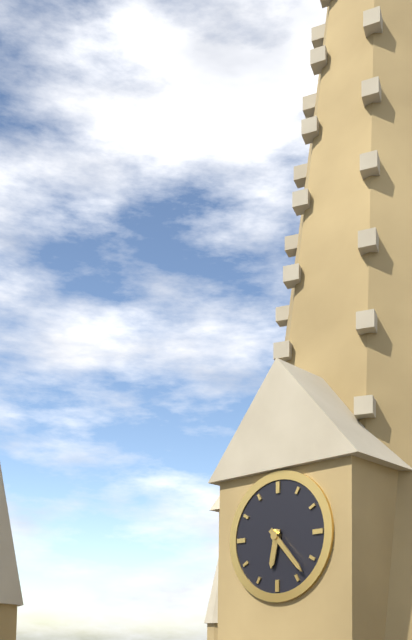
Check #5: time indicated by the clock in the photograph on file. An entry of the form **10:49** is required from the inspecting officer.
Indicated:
**6:23**
